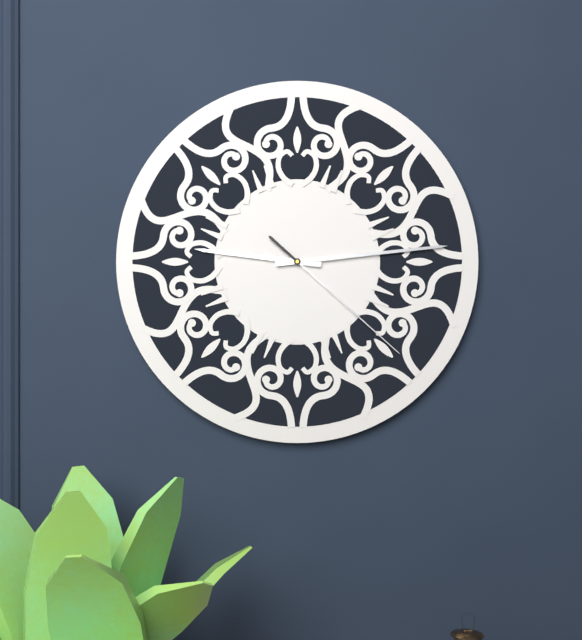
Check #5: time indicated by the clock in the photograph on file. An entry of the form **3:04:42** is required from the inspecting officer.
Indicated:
**9:14:22**
